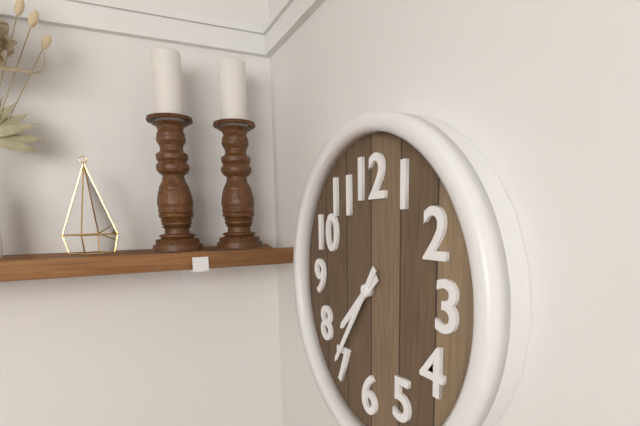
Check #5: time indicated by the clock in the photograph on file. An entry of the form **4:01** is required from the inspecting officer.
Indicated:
**7:36**
